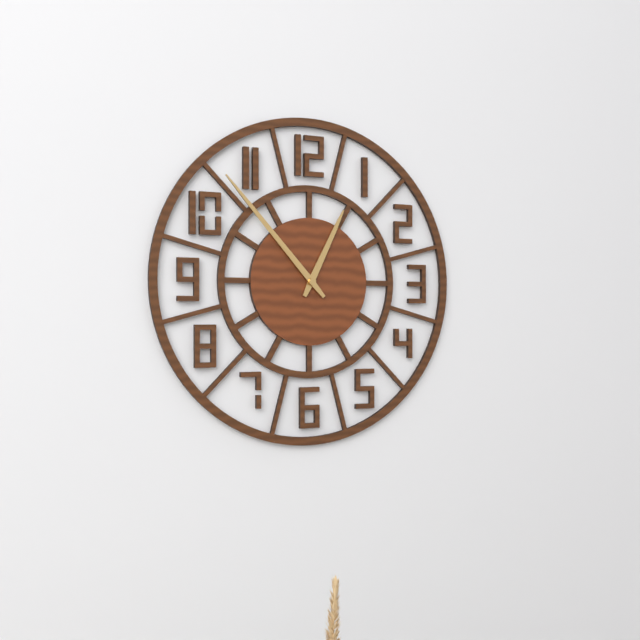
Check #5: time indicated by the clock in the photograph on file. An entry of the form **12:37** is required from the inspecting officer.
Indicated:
**12:53**
